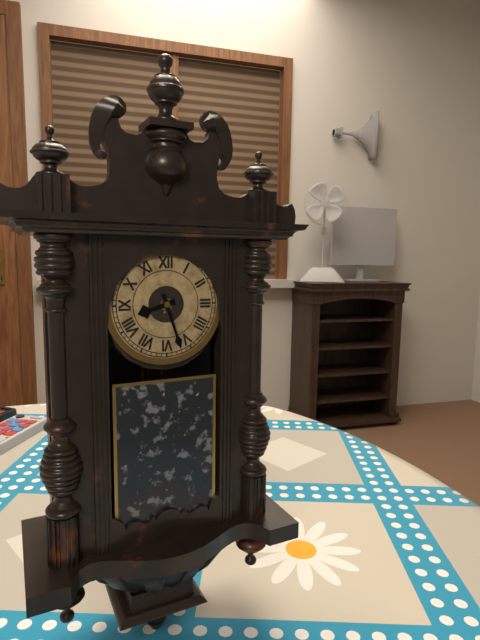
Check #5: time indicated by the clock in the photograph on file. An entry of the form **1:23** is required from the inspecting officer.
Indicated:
**8:27**
